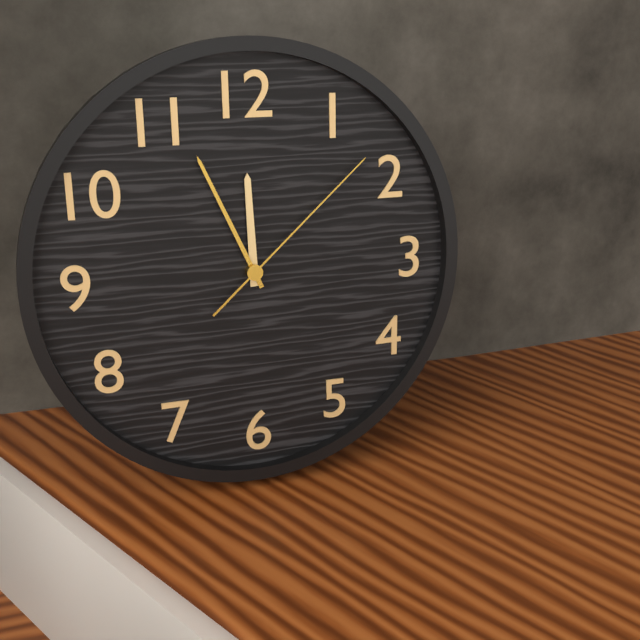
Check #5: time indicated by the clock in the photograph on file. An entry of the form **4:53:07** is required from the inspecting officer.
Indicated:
**11:56:08**
